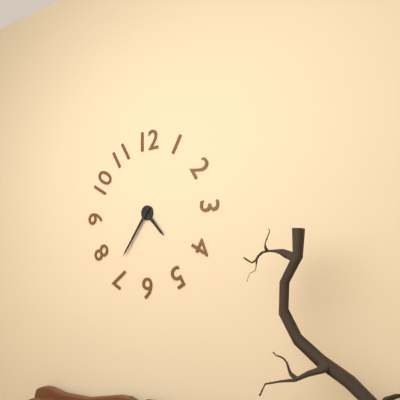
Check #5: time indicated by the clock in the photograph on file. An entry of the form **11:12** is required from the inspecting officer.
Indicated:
**4:36**
